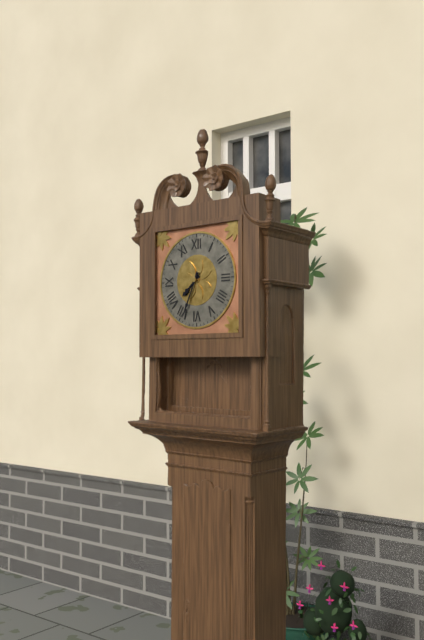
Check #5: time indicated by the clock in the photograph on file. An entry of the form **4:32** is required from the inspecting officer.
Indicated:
**7:34**
